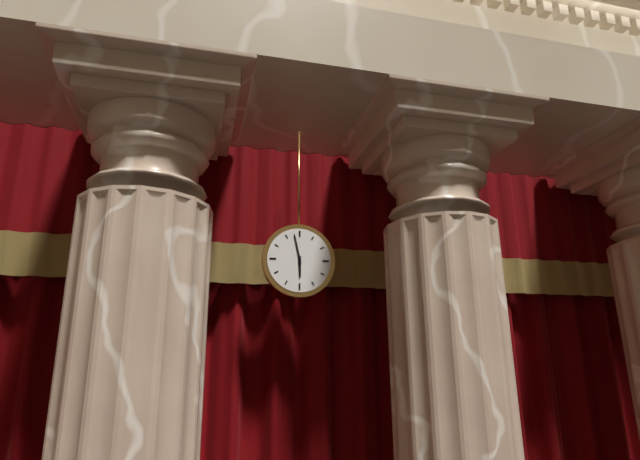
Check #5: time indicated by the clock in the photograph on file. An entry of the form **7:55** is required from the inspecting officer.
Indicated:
**5:58**
